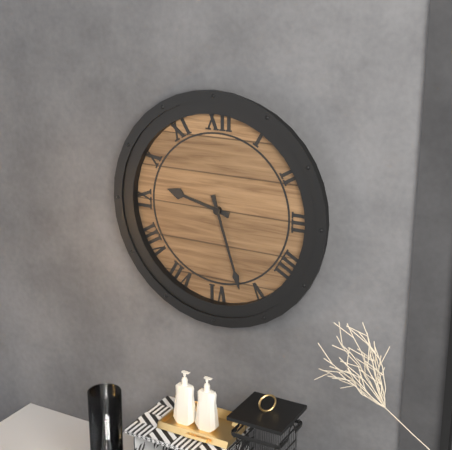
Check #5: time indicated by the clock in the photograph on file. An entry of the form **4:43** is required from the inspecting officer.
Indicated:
**9:27**
